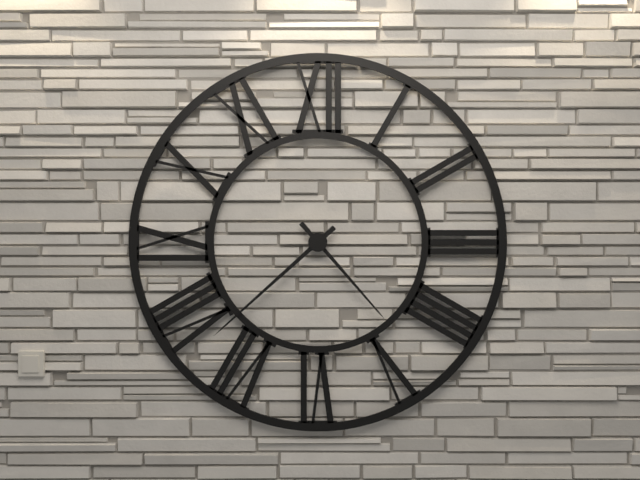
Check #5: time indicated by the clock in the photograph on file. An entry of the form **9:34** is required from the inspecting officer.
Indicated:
**4:38**
